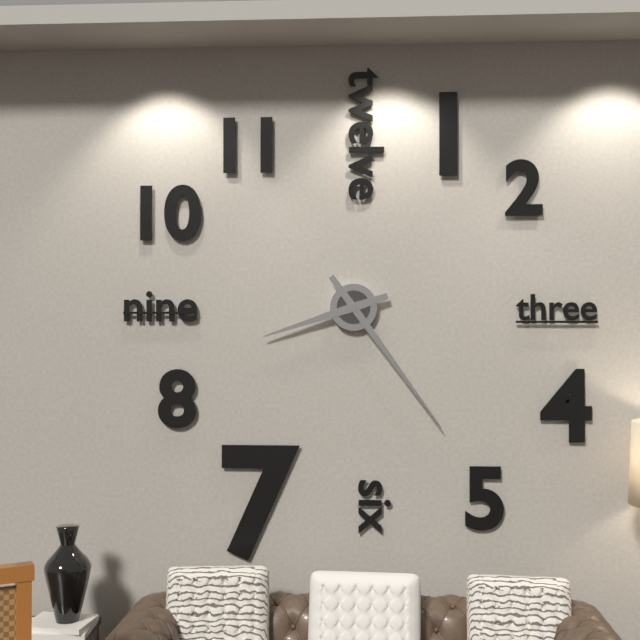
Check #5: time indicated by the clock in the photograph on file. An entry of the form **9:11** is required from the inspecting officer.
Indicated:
**8:24**
